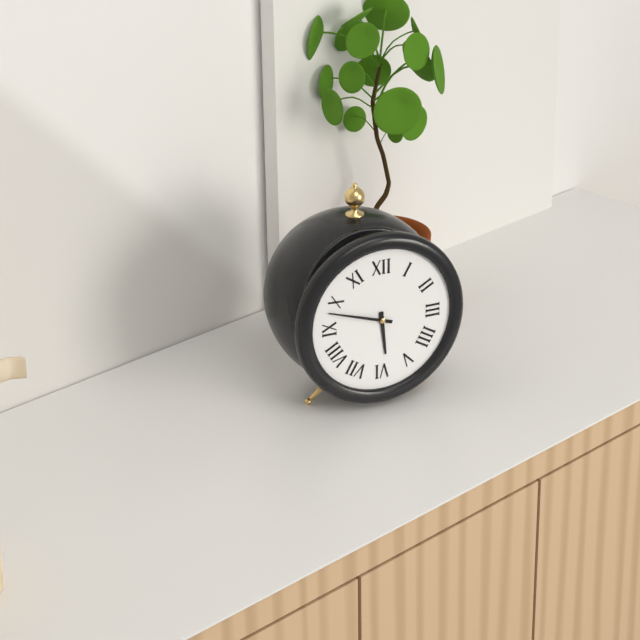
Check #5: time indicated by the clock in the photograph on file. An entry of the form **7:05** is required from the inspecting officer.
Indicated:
**5:48**
